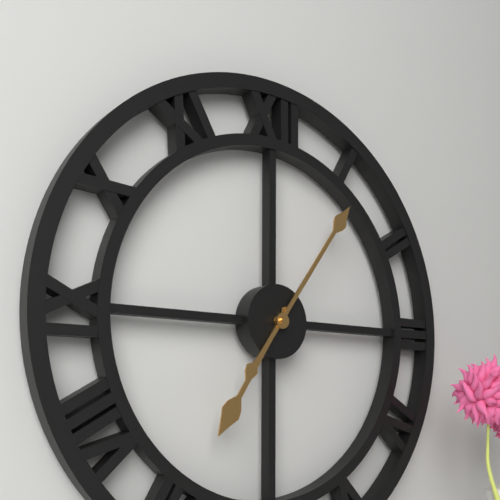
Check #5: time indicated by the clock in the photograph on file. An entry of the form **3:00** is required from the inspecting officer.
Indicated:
**7:06**
